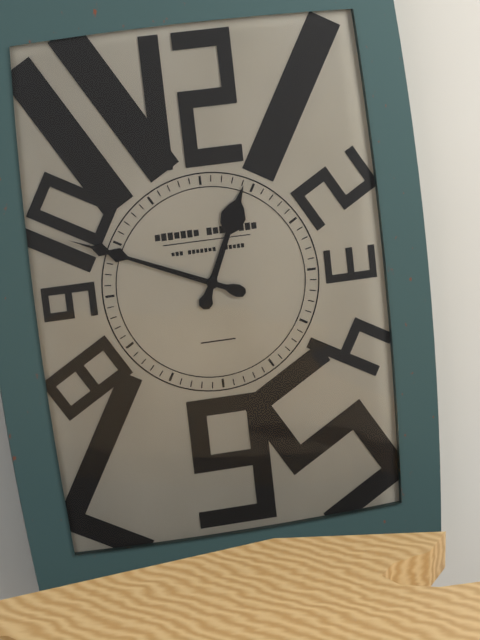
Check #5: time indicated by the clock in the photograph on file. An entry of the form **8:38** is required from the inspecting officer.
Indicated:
**12:49**
